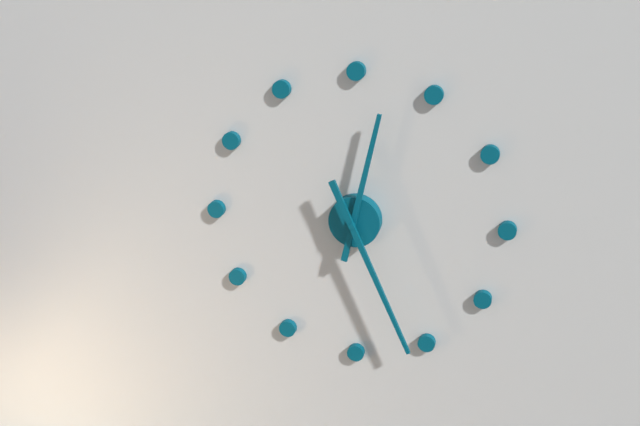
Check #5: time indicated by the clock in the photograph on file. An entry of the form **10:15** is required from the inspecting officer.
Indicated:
**12:26**
